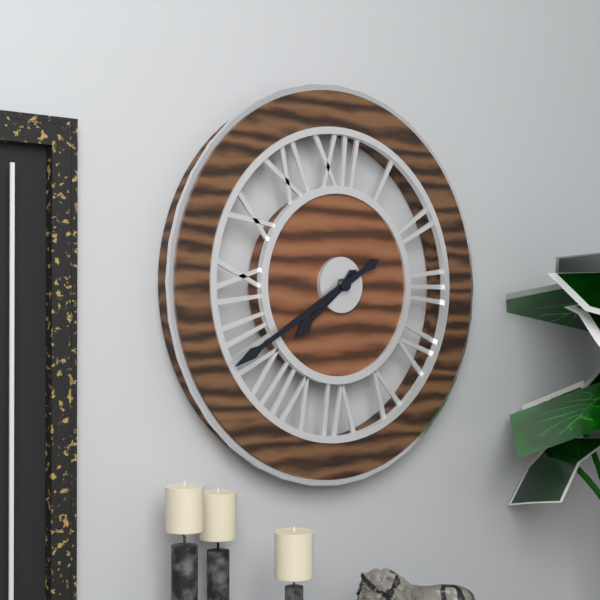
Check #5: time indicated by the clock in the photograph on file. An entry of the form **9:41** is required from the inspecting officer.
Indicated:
**7:40**
